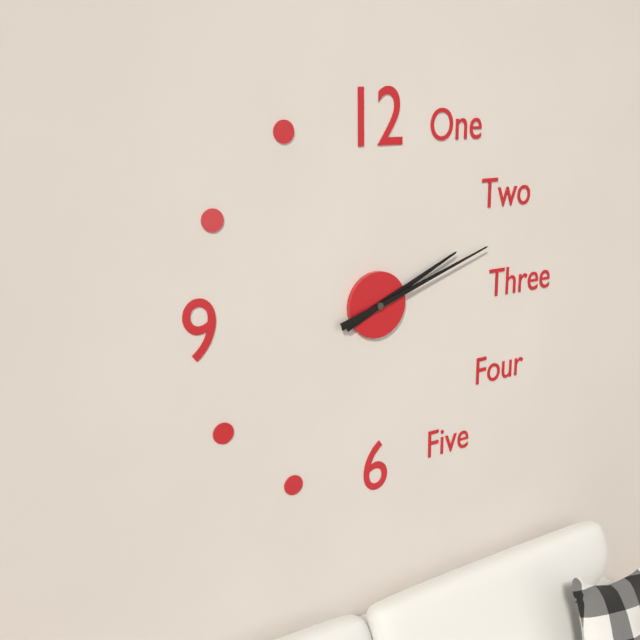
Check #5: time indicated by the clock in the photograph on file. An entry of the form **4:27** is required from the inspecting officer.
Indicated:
**2:12**
